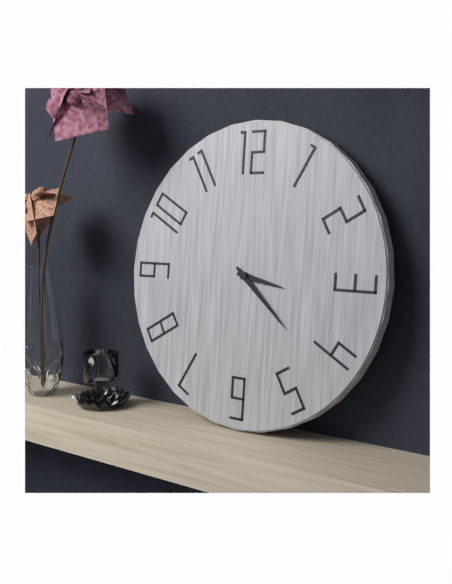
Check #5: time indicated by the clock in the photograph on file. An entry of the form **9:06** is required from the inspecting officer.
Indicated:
**3:22**
